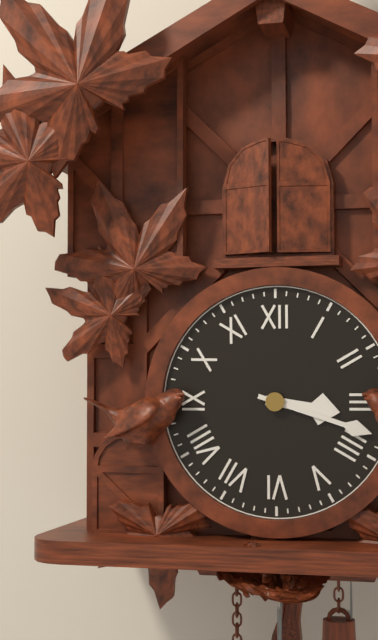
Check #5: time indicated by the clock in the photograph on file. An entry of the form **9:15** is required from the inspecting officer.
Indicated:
**3:18**
